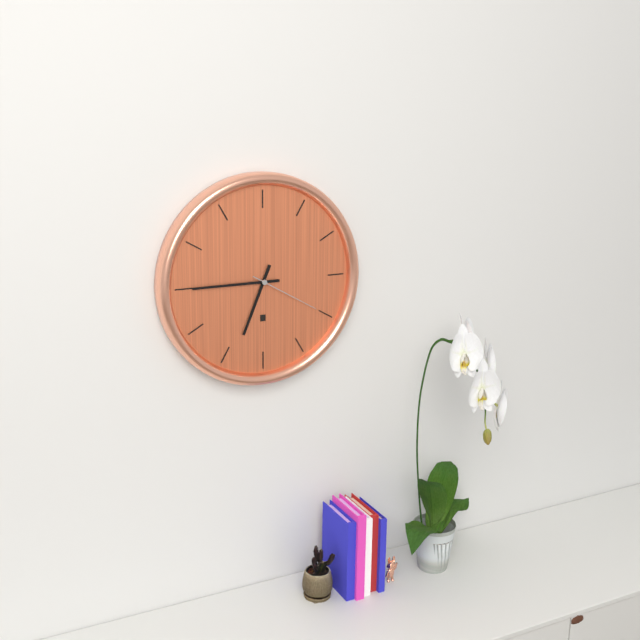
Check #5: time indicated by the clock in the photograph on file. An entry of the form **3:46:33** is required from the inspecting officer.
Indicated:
**6:45:20**
